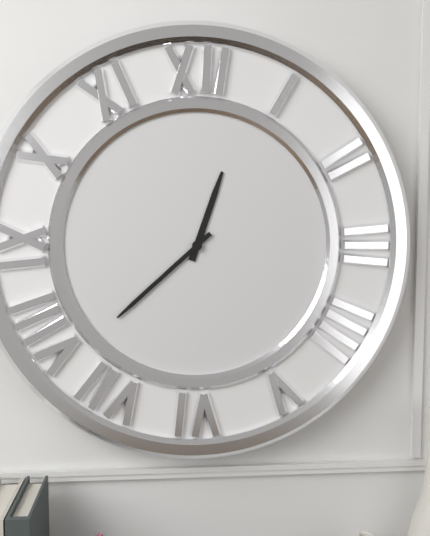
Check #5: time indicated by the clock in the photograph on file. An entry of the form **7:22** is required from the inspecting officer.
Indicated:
**12:38**
